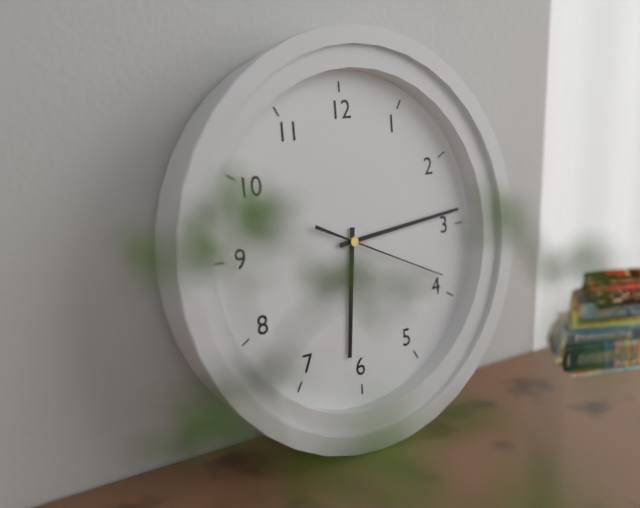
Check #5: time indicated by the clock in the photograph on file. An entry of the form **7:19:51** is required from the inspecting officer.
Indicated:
**6:14:19**
